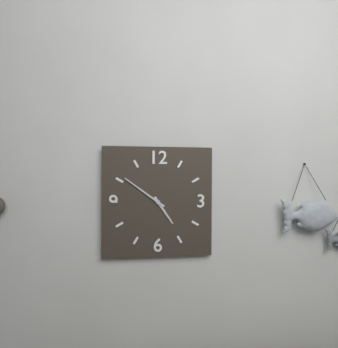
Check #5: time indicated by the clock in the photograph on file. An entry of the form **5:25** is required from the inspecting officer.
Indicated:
**4:51**
